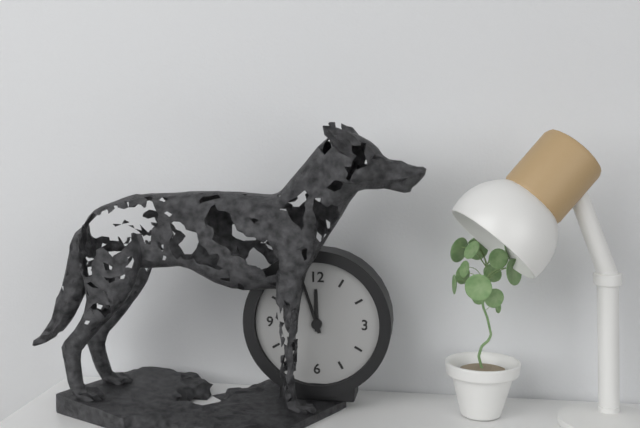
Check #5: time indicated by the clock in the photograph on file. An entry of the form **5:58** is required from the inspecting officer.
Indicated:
**11:57**
